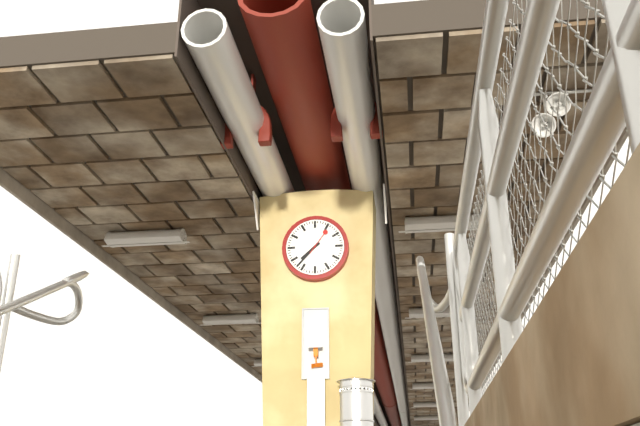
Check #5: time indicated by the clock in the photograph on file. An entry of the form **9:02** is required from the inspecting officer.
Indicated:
**7:37**
